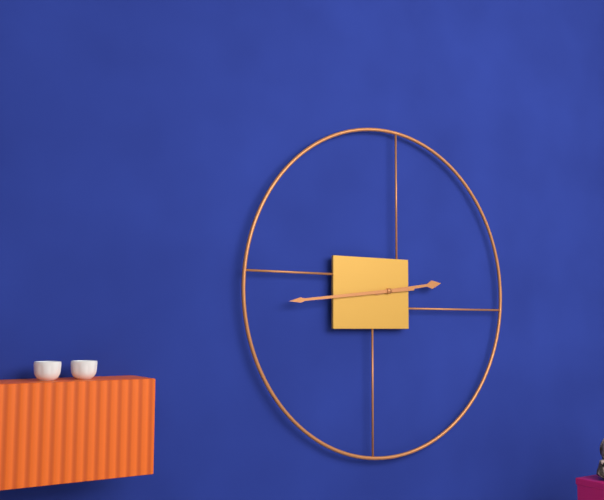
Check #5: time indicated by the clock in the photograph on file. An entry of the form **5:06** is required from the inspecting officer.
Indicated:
**2:44**
